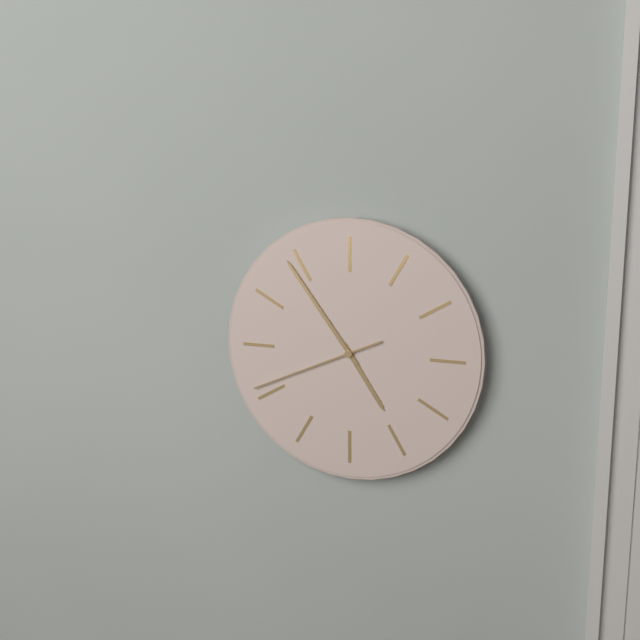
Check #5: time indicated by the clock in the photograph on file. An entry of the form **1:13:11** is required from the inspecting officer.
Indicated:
**4:54:41**
